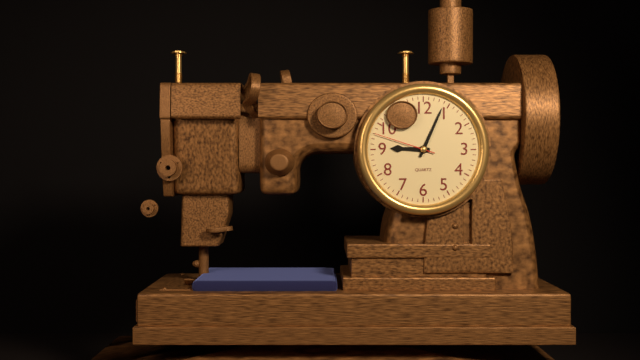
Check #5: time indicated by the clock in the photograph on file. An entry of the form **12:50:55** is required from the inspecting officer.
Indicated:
**9:04:48**
